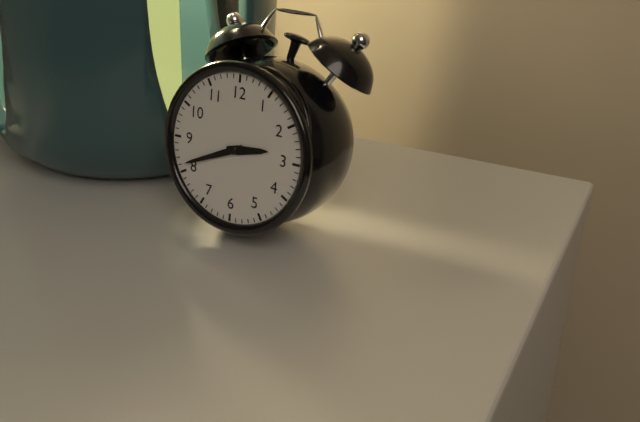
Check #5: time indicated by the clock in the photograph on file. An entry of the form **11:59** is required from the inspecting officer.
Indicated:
**2:41**
